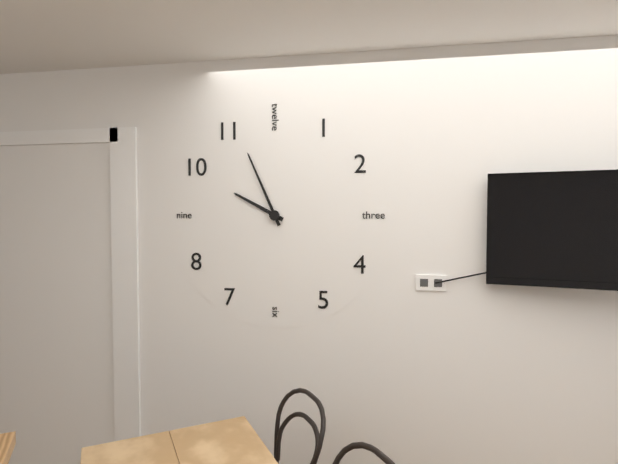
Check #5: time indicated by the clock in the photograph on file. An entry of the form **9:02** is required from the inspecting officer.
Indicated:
**9:56**
